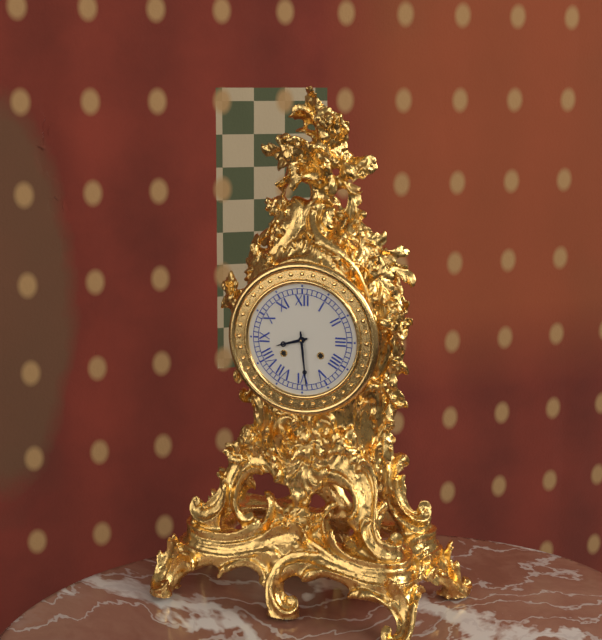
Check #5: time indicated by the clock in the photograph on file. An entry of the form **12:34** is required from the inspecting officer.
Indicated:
**8:29**
